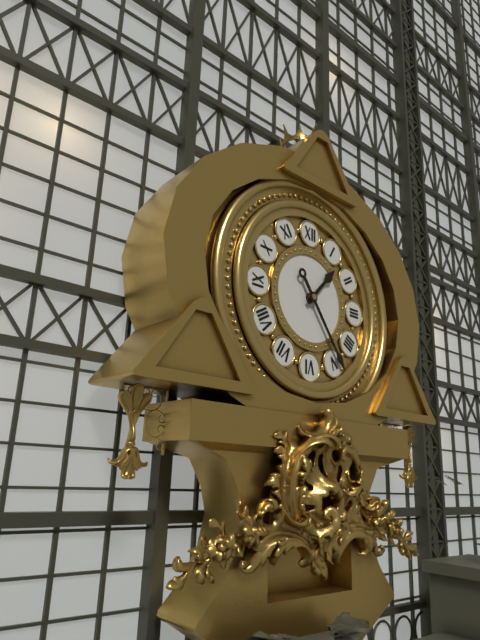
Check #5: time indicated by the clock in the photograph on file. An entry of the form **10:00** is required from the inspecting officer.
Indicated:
**1:24**
